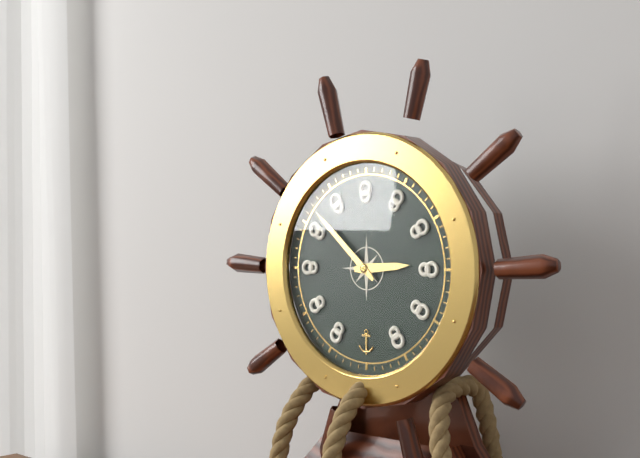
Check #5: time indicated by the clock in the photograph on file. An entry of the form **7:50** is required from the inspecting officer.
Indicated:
**2:52**
